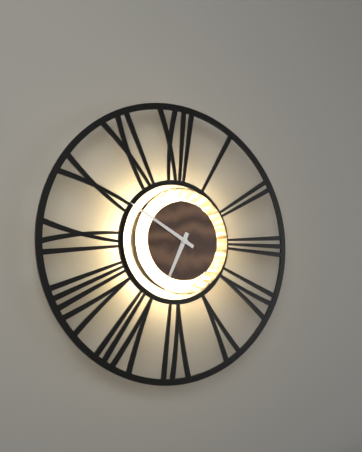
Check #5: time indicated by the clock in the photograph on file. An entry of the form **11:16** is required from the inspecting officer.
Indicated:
**6:50**
